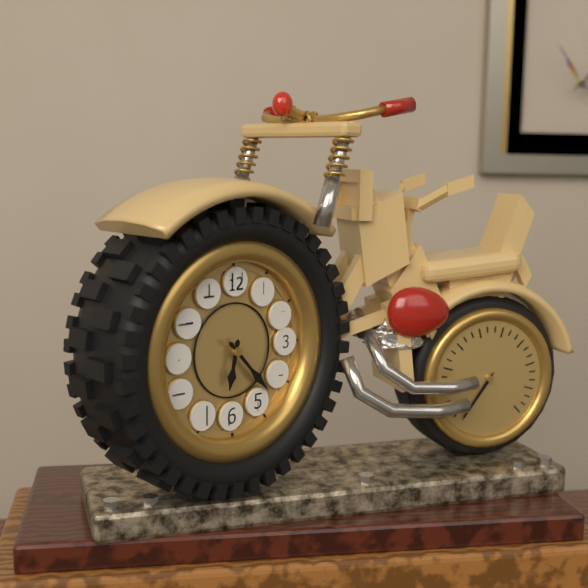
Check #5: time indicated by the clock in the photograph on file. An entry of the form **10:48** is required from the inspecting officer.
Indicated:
**6:23**
